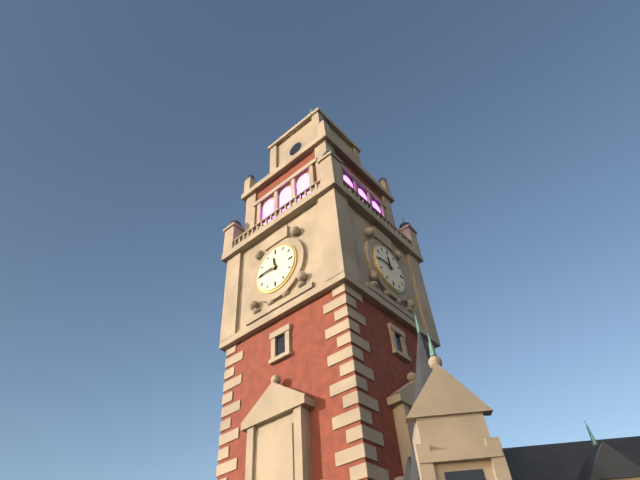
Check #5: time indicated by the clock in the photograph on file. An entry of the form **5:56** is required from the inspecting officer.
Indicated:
**11:45**
